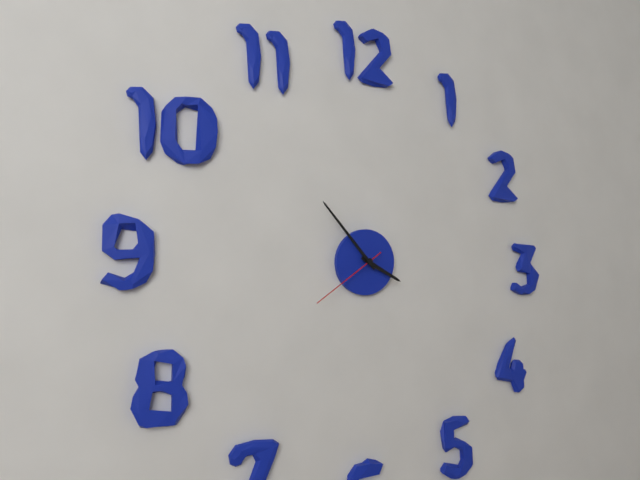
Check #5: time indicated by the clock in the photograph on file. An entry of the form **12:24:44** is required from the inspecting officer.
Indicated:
**3:53:39**
